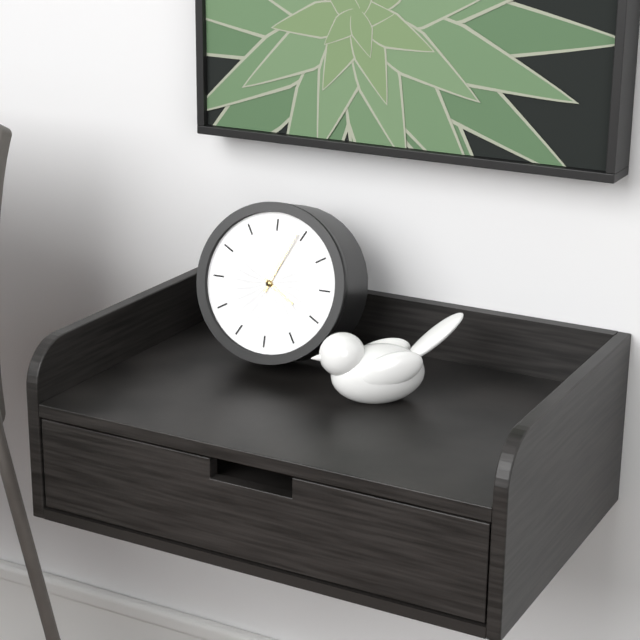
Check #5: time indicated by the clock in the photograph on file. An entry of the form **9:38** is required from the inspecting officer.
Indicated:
**4:04**
